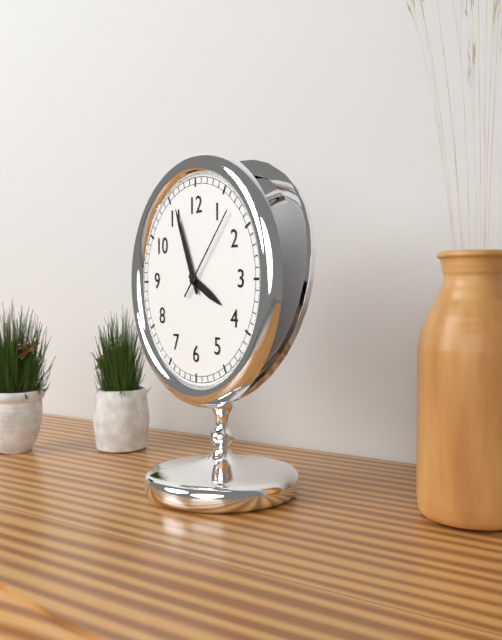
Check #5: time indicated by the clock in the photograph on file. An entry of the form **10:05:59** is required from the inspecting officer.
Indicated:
**3:56:07**
